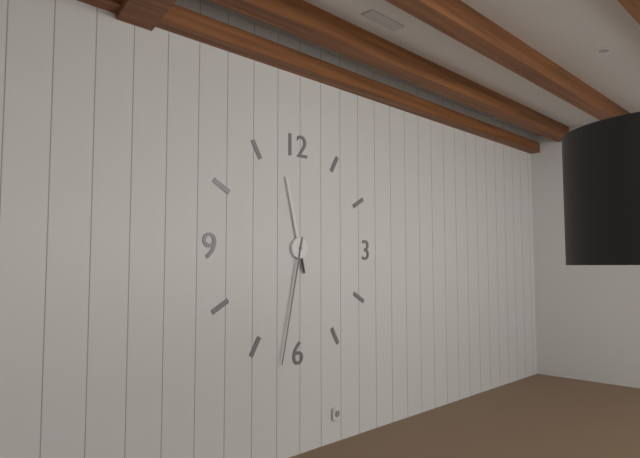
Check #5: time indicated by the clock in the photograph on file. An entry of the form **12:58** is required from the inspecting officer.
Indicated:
**11:32**
